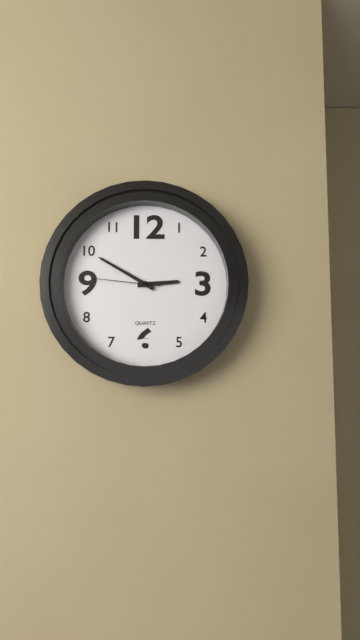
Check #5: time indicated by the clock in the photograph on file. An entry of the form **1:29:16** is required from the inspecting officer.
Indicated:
**2:50:46**
